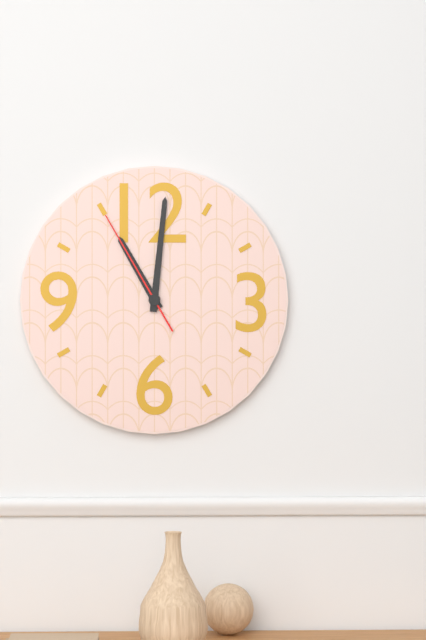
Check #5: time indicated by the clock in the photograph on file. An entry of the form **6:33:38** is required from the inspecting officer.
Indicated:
**11:01:55**
